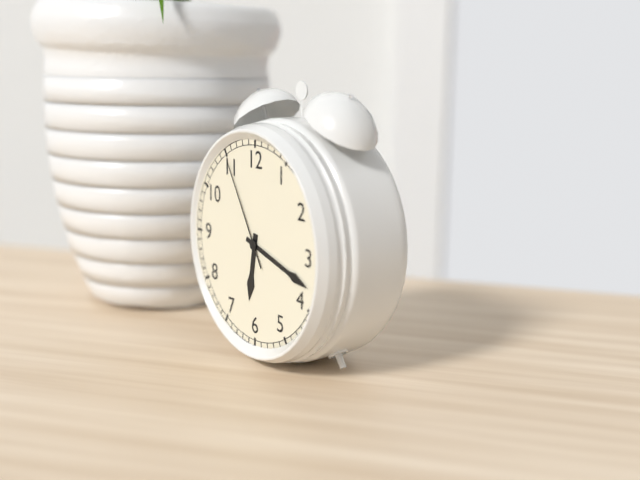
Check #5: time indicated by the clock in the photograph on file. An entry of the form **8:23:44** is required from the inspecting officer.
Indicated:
**6:18:55**
